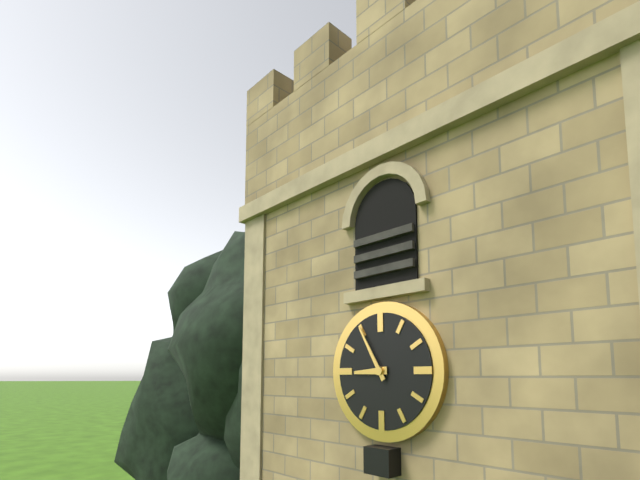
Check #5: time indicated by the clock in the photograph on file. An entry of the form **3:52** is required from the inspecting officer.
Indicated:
**8:55**
